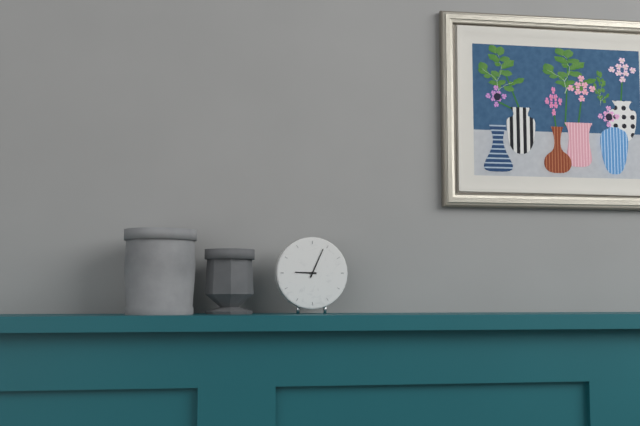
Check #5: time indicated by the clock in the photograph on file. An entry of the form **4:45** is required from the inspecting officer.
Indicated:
**9:04**
